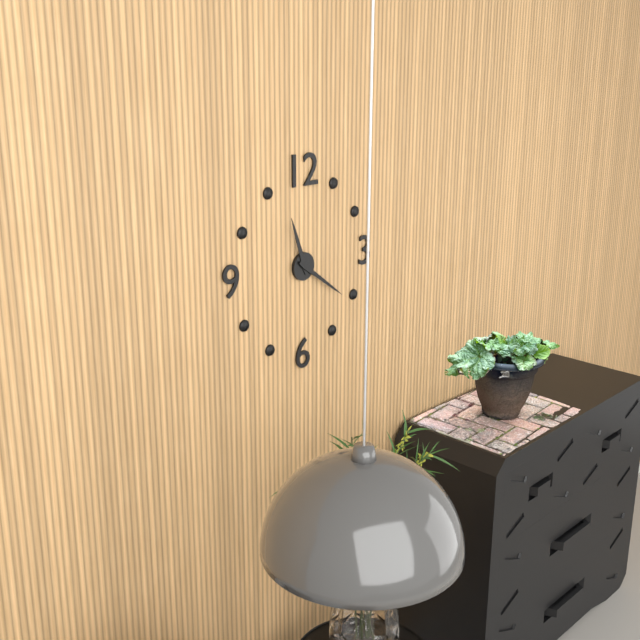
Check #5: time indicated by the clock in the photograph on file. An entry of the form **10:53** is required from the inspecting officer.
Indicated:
**11:21**
